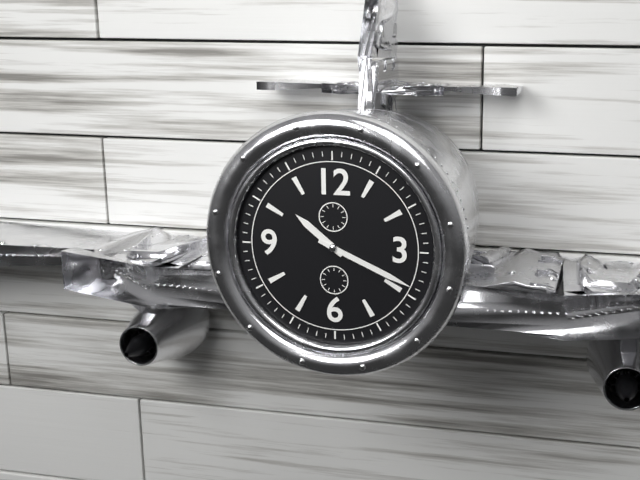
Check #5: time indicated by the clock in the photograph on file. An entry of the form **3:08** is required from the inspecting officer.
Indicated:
**10:19**
